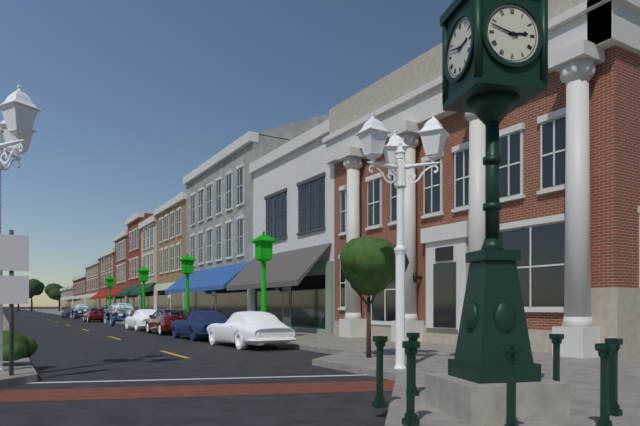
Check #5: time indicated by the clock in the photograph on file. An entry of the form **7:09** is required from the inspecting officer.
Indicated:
**2:48**
